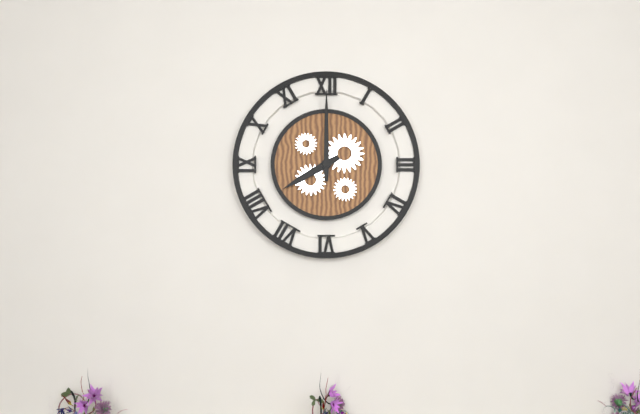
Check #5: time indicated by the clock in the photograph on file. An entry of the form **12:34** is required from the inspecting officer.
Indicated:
**8:00**
